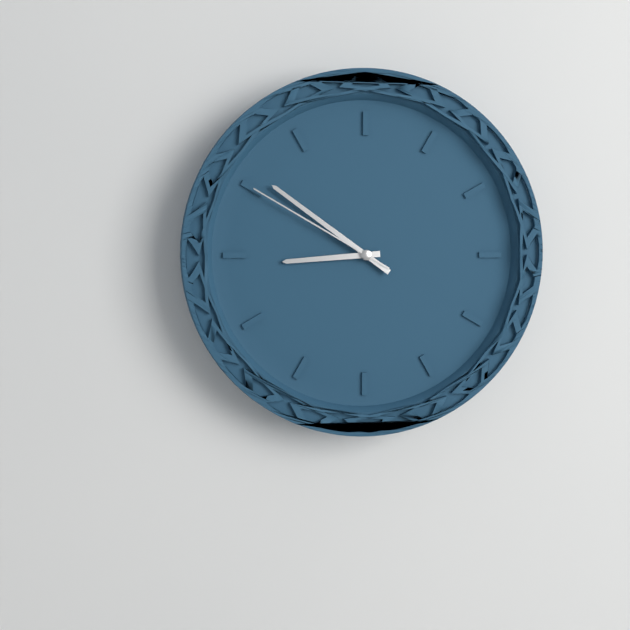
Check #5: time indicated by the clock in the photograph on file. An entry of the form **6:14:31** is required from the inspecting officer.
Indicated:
**8:51:50**
